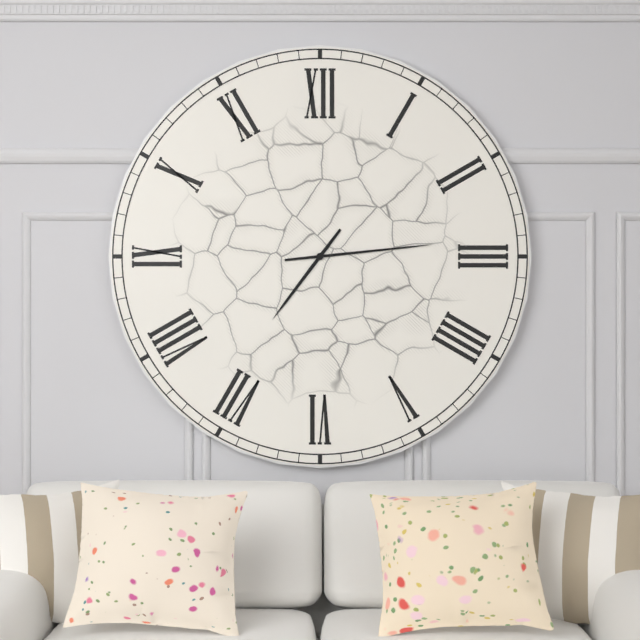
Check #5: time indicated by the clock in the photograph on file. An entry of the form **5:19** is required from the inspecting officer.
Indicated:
**7:14**
